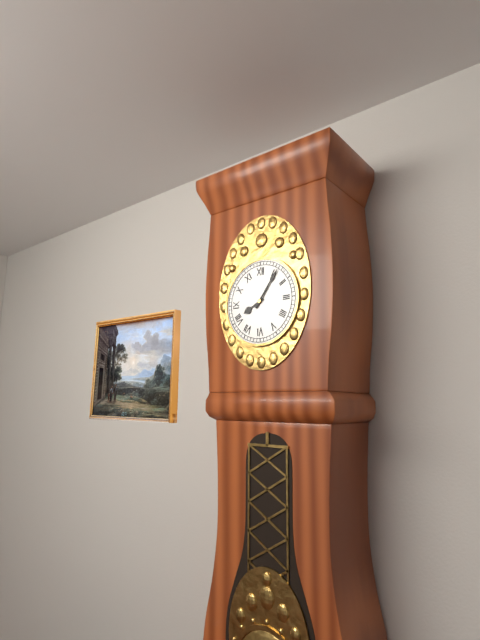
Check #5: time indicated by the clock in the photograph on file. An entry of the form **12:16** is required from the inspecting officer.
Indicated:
**8:06**
